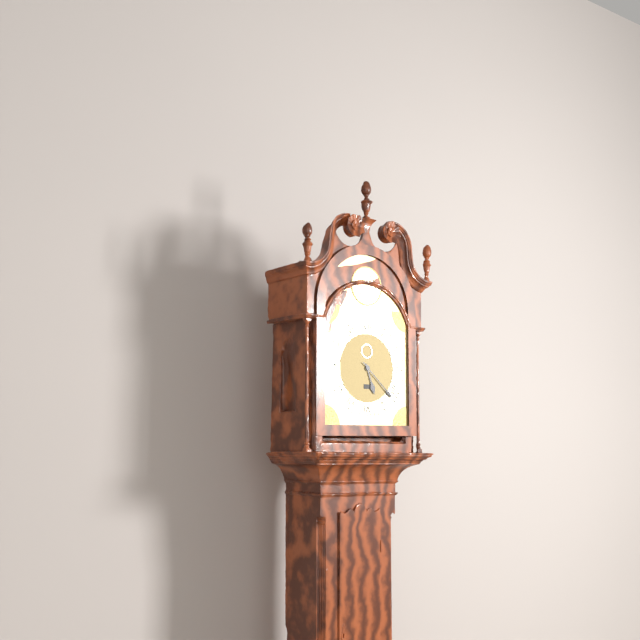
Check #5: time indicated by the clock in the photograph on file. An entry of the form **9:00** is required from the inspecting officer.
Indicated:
**5:22**
